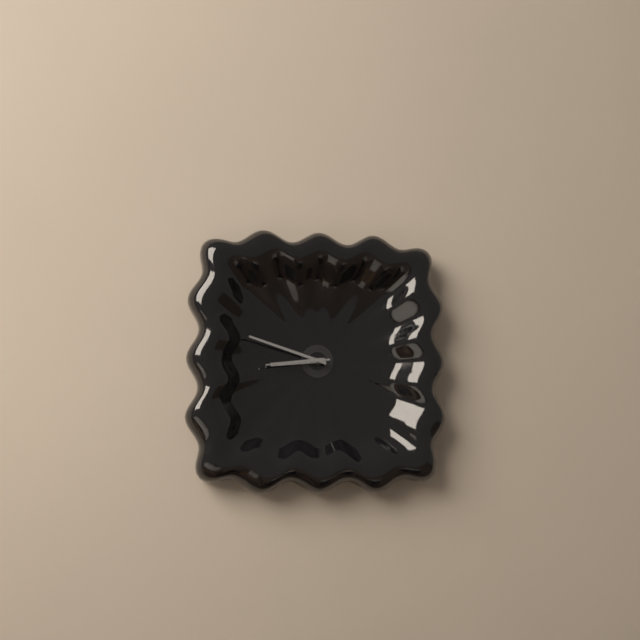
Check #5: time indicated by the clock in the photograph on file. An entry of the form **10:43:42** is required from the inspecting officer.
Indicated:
**8:48:44**
